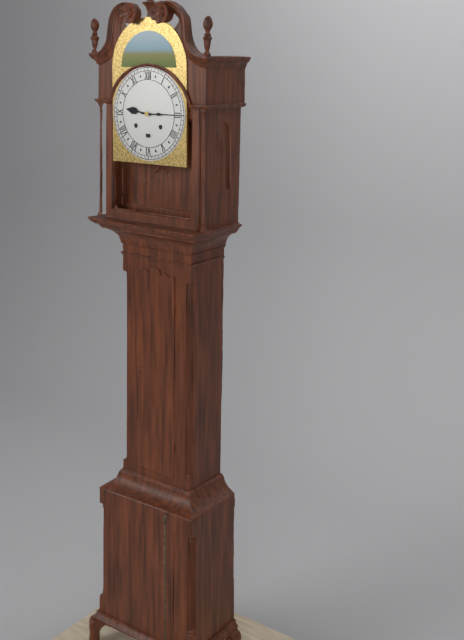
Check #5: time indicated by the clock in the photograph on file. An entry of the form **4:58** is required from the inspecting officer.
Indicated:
**9:15**
